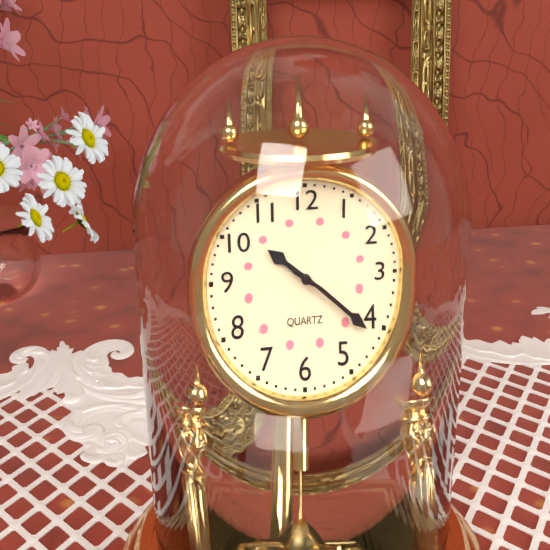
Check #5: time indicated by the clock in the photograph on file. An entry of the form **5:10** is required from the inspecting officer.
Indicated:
**10:21**
